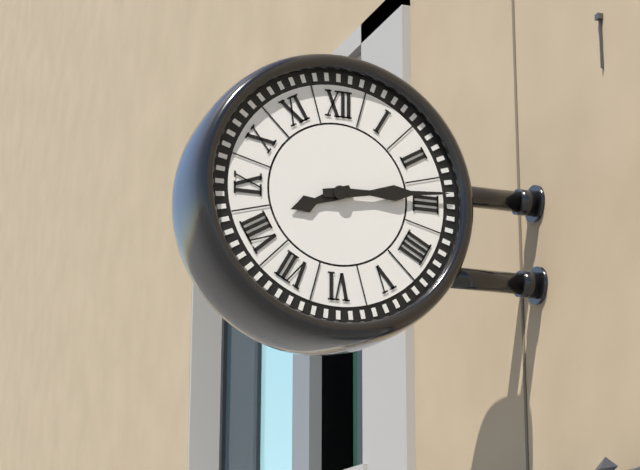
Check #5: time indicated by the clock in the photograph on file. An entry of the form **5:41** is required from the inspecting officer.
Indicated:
**8:14**
